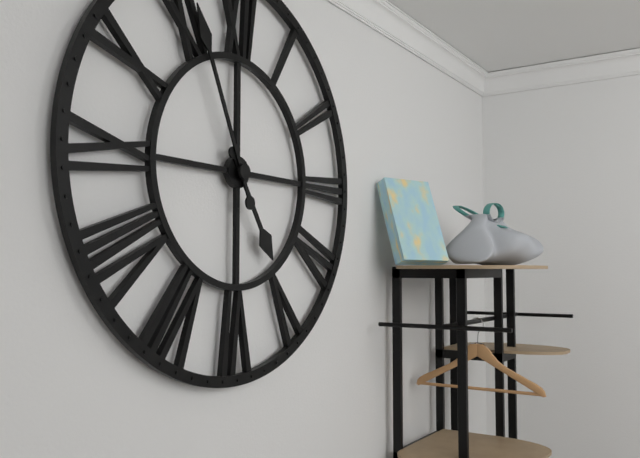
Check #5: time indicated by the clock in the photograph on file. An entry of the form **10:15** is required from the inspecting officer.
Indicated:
**4:56**
